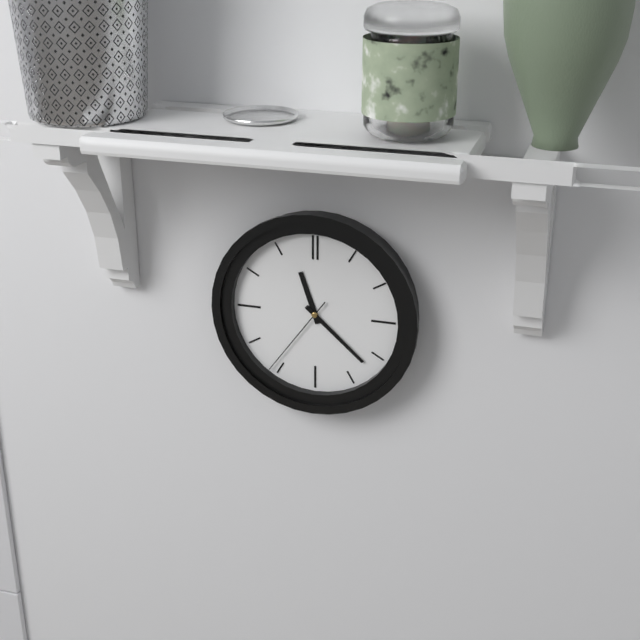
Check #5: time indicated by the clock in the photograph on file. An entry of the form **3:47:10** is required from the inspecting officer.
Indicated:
**11:22:36**
